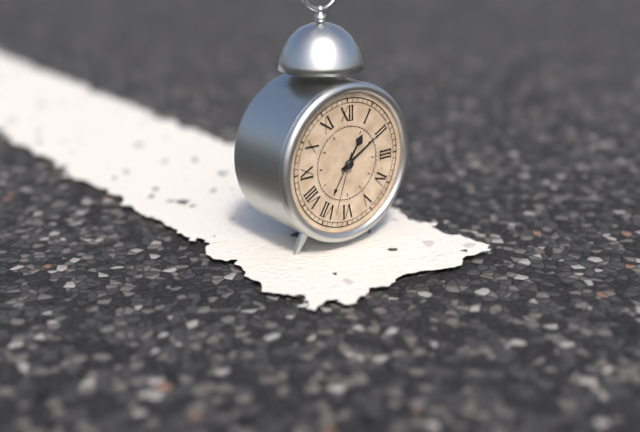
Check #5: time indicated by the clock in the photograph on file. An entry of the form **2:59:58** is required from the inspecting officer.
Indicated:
**1:10:33**
